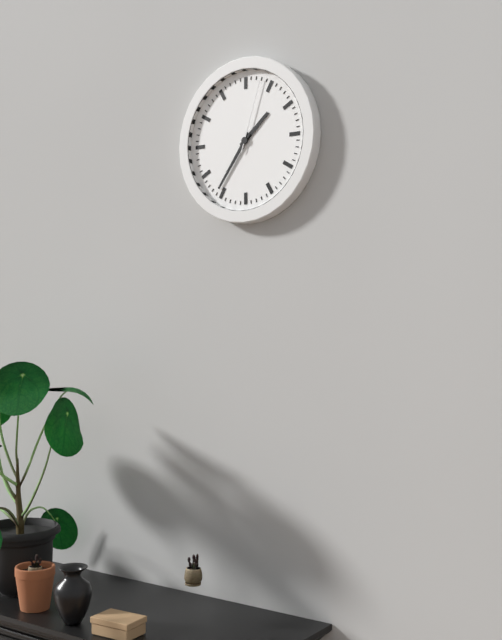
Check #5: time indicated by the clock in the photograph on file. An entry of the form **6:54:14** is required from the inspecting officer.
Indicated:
**1:36:03**
